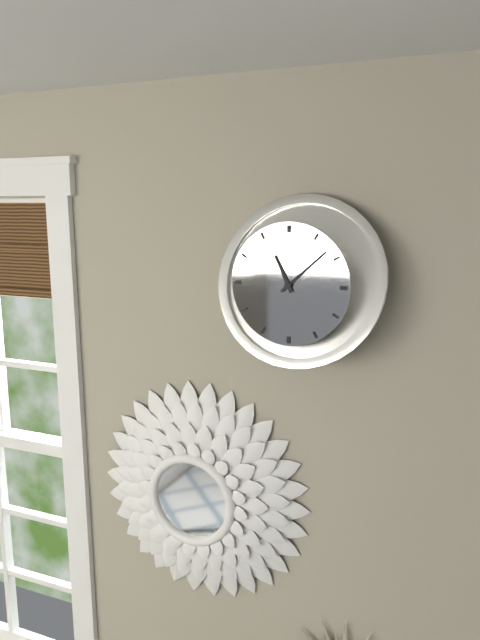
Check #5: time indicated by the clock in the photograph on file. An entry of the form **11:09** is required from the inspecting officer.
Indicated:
**11:08**
